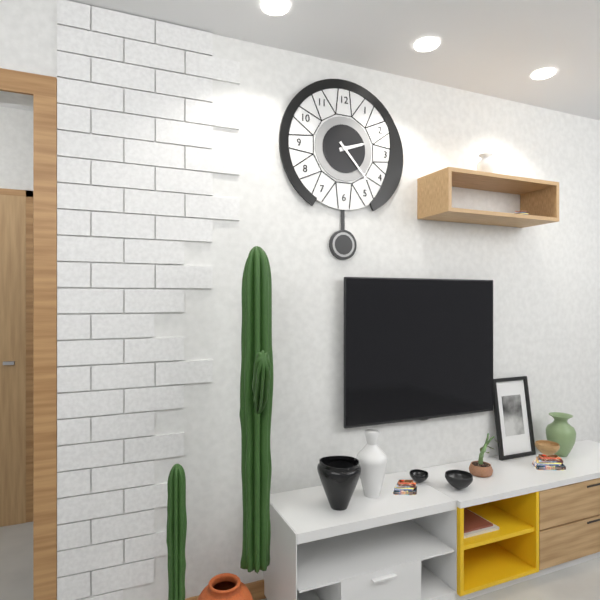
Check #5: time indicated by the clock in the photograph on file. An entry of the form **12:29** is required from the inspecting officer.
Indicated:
**2:23**
